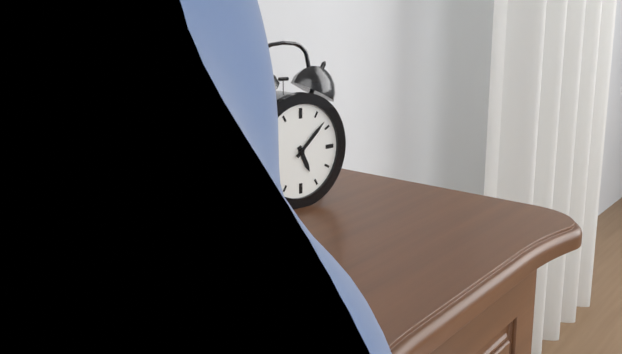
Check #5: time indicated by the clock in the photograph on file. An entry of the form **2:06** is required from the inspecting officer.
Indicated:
**5:08**
